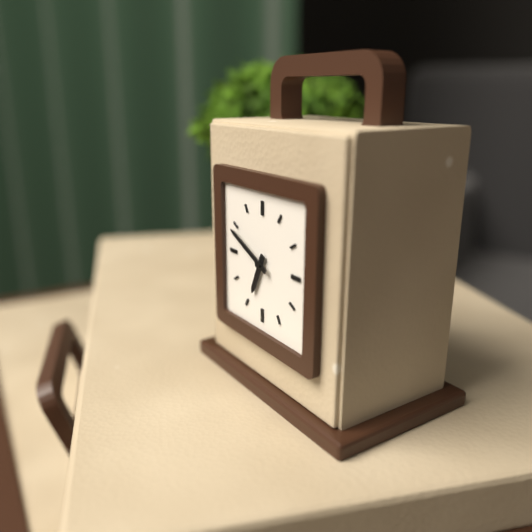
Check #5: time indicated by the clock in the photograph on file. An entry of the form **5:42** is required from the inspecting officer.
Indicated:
**6:49**
